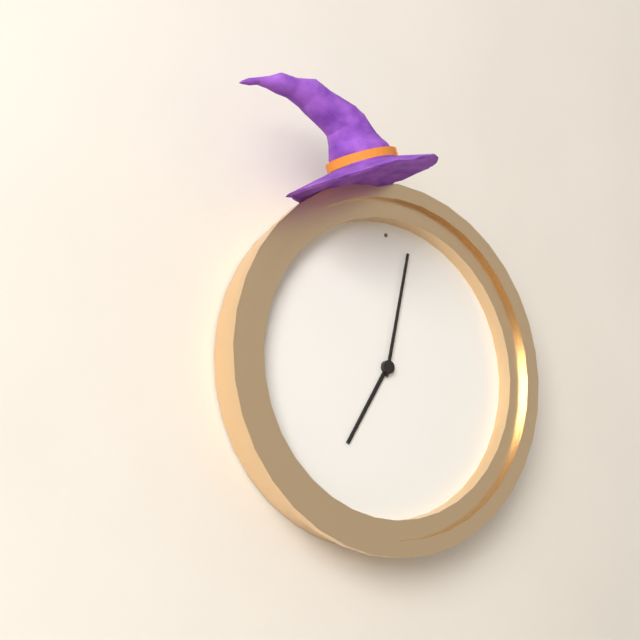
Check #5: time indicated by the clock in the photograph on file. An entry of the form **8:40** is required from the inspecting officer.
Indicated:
**7:02**
